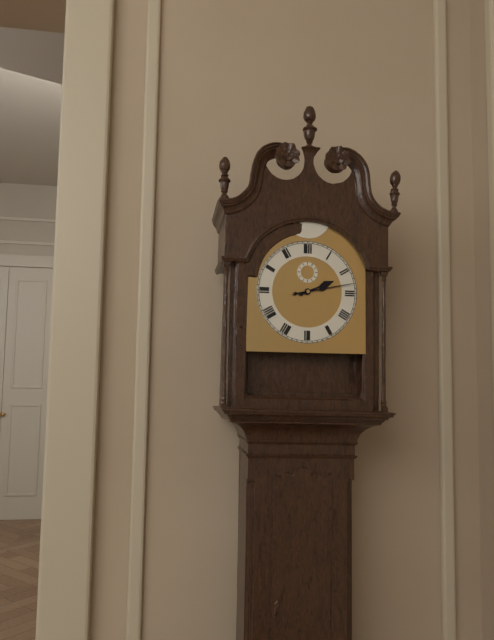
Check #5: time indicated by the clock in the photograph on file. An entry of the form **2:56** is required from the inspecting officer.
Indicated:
**2:13**
